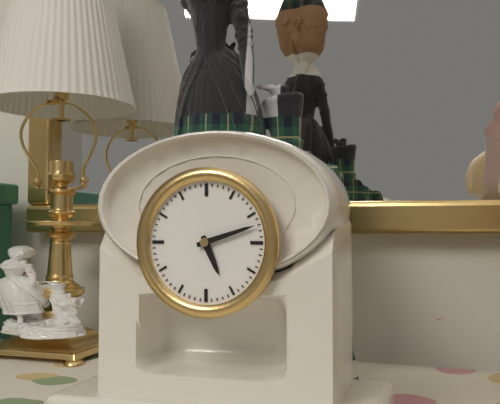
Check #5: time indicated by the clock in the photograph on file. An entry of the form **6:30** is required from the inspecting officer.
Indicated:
**5:12**
